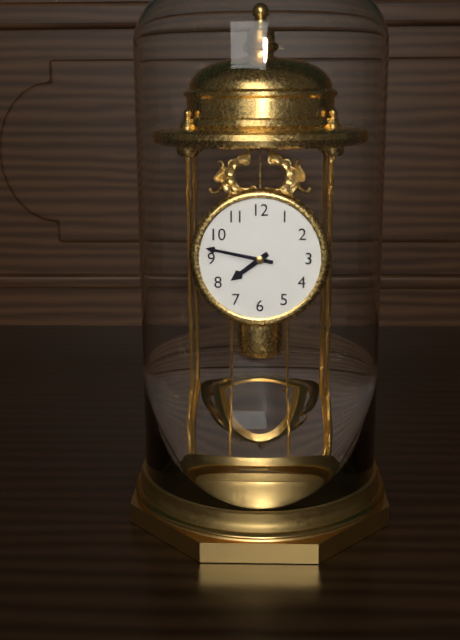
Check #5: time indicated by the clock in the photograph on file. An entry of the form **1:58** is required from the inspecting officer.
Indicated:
**7:47**
